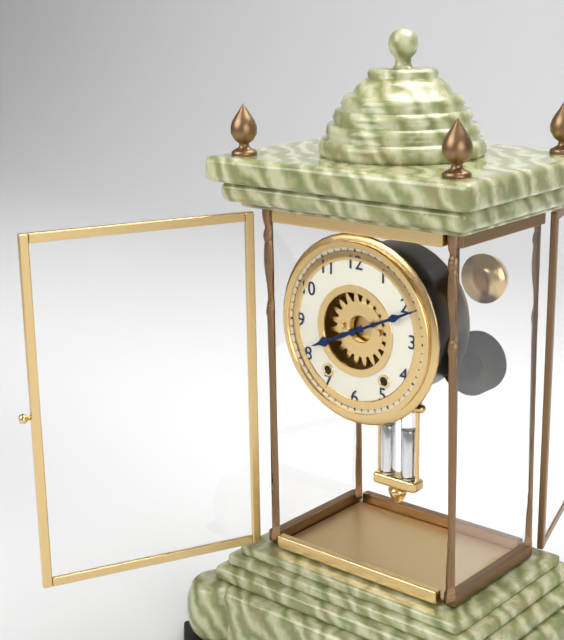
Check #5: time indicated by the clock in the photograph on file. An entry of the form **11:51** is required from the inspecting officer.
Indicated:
**8:11**
